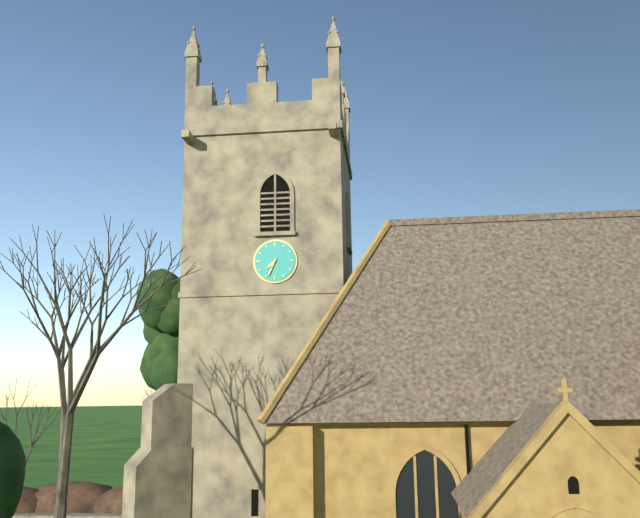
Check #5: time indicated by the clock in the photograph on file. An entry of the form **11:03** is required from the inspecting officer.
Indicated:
**7:34**
